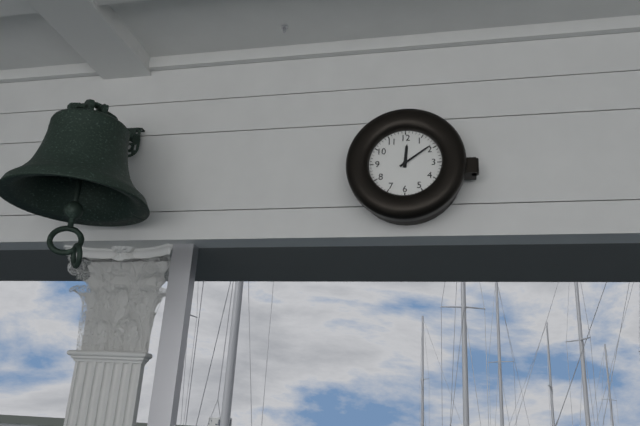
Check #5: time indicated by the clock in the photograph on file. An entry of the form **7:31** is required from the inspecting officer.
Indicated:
**12:09**
